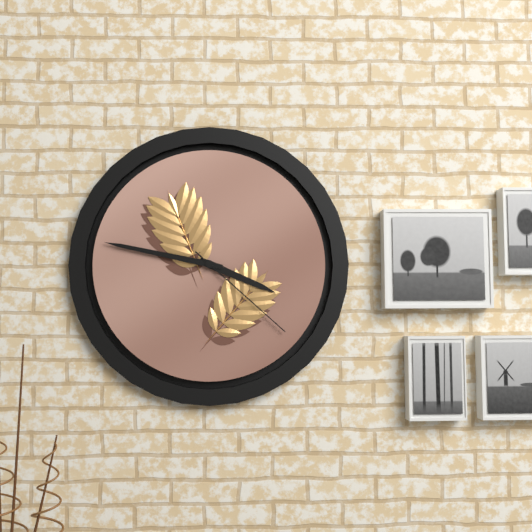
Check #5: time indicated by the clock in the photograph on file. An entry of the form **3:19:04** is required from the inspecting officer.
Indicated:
**3:47:22**
